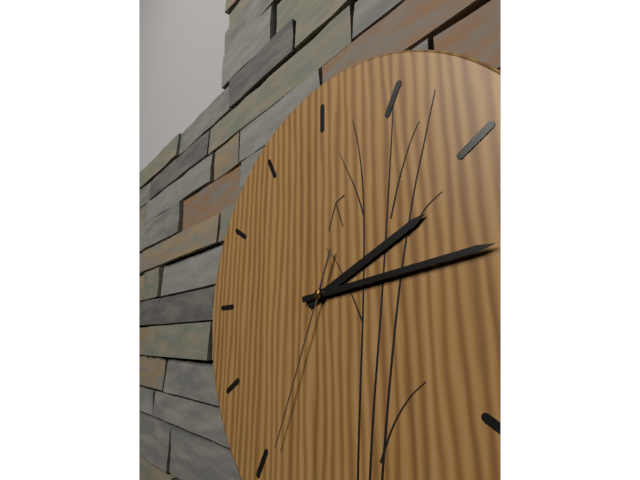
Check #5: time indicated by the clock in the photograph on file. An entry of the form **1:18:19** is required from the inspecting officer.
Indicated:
**2:14:34**
